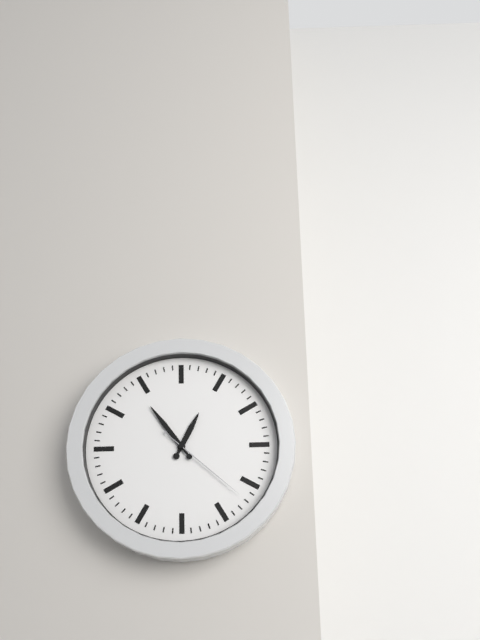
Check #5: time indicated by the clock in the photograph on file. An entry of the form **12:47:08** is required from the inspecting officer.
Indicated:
**12:54:22**
